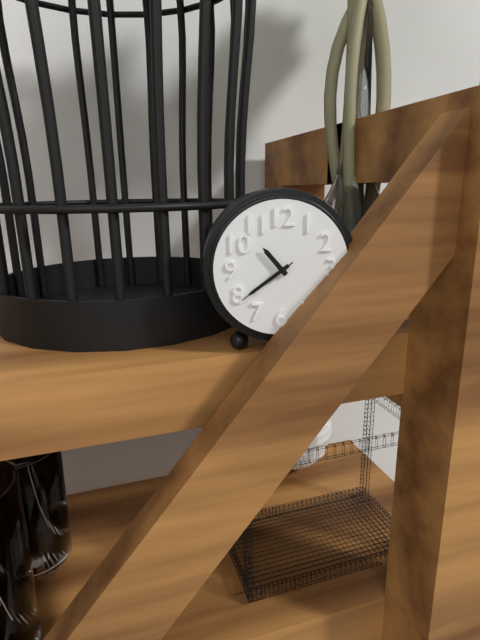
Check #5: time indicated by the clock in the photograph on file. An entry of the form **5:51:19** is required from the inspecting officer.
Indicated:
**10:39:39**
